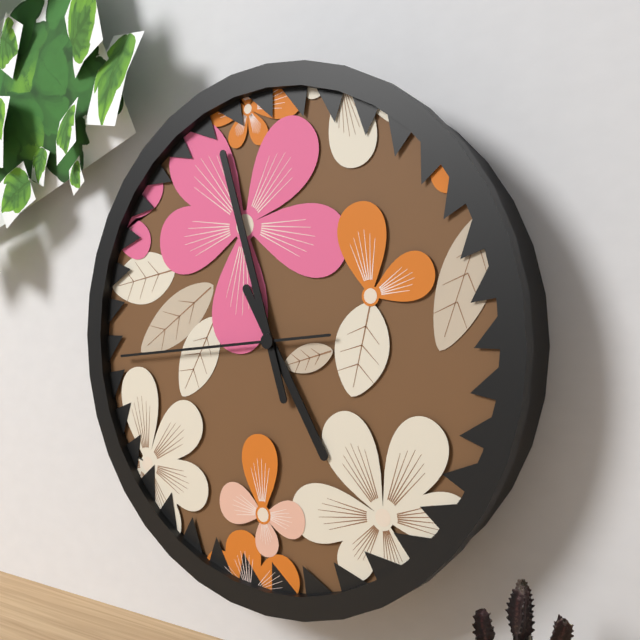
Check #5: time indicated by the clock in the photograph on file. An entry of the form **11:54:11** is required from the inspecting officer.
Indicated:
**4:57:44**
